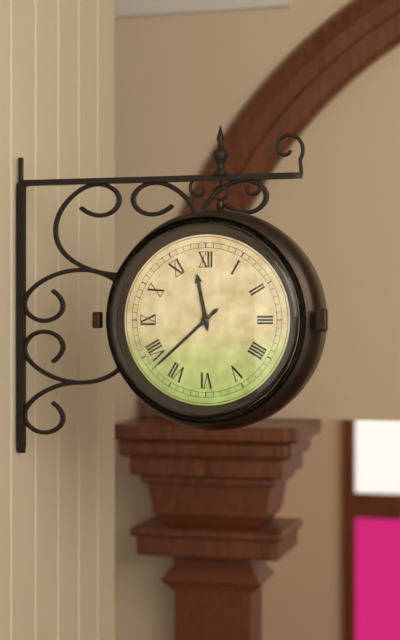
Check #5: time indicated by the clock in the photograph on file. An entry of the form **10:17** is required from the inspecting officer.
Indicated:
**11:38**
